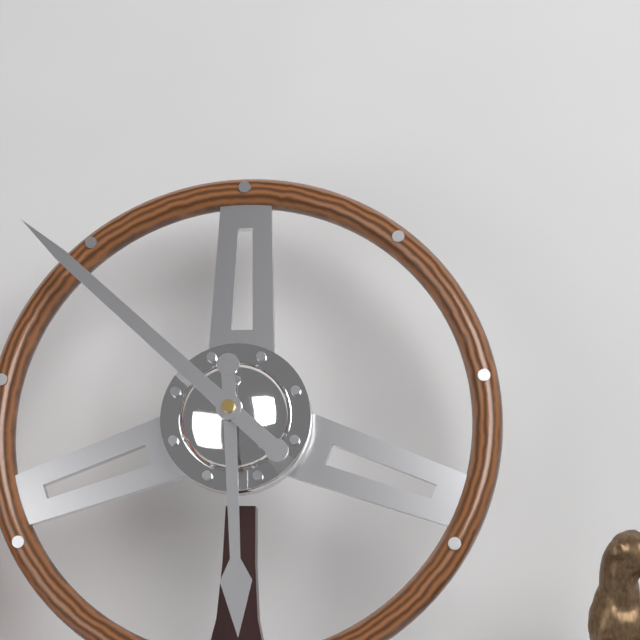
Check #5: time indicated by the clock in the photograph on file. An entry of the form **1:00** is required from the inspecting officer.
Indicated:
**5:52**
